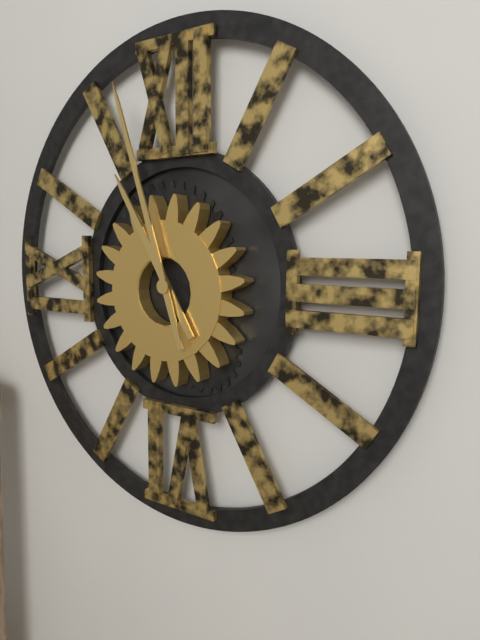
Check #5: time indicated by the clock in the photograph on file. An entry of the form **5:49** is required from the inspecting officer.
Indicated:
**10:57**
